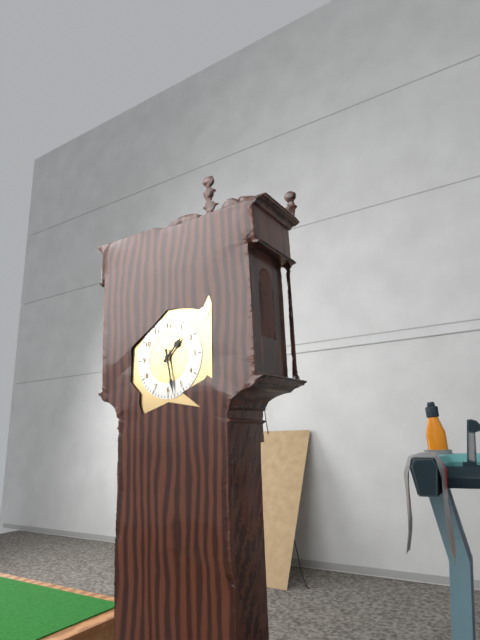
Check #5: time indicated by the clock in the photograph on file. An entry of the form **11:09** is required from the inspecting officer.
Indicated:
**1:28**
